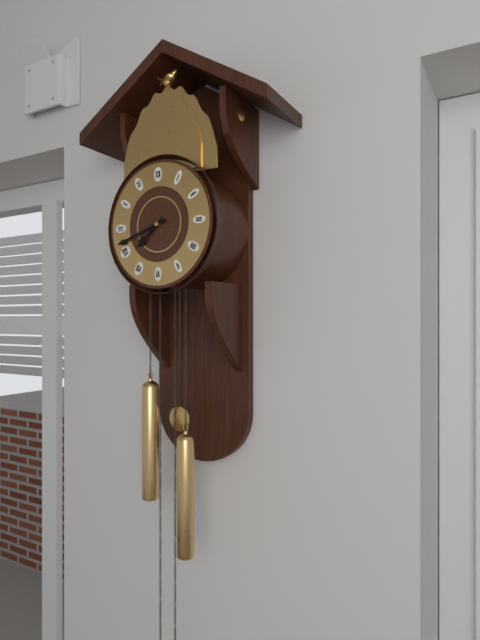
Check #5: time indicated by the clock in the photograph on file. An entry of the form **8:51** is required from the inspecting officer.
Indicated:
**7:42**
